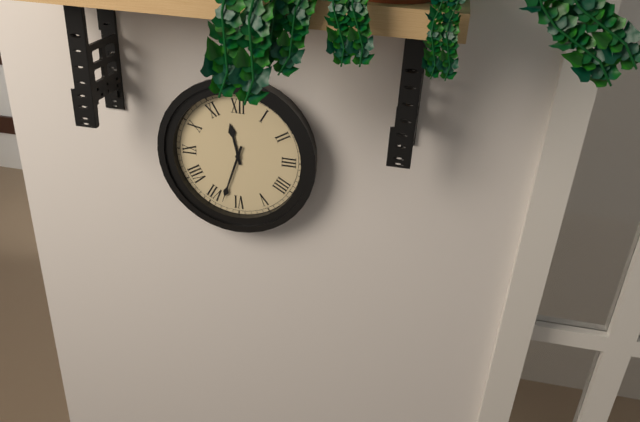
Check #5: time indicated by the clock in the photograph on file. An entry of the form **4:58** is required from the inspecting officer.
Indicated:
**11:33**
